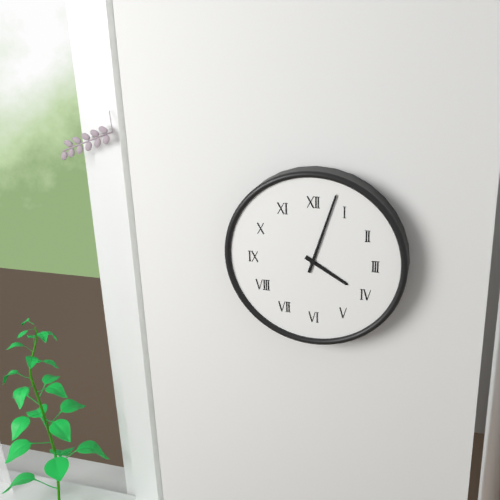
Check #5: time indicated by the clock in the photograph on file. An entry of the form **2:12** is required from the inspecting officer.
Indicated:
**4:03**
